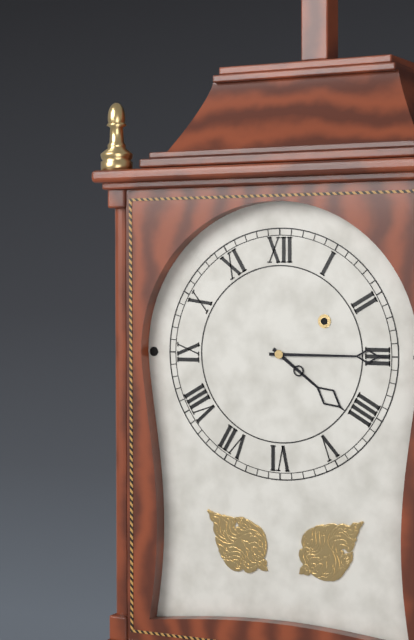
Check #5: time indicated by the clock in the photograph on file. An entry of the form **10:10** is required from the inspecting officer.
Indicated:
**4:15**
